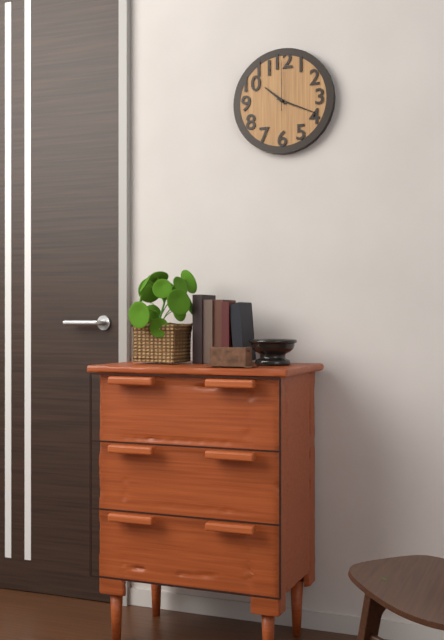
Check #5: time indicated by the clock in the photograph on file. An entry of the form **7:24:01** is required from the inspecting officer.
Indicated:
**10:19:00**
